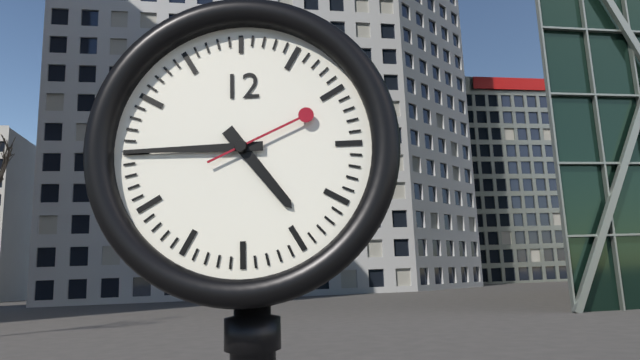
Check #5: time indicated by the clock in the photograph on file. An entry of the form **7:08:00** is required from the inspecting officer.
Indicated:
**4:45:11**
